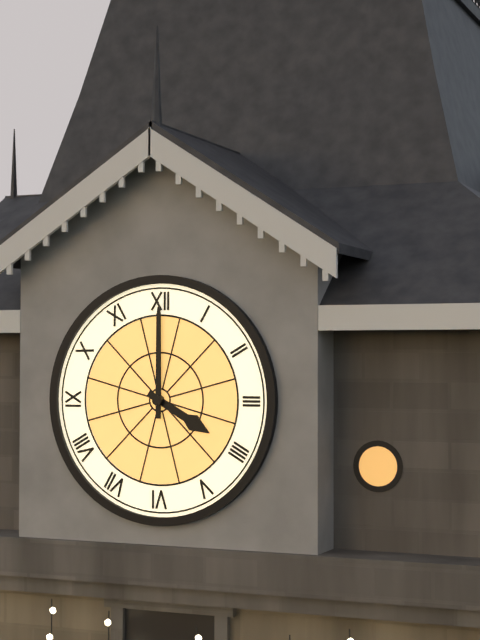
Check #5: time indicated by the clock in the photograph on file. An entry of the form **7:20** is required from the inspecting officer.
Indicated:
**4:00**
